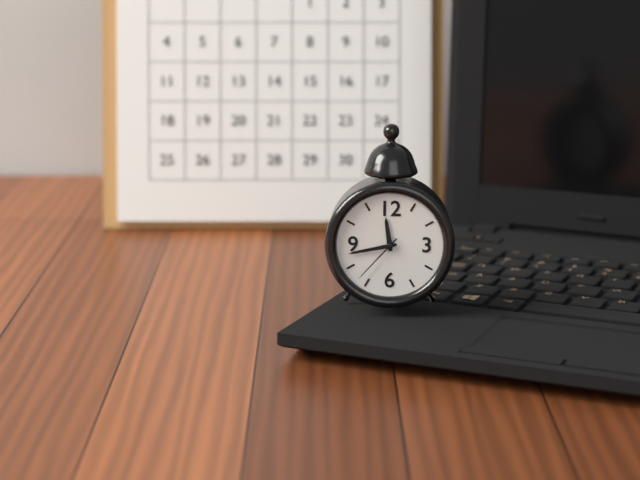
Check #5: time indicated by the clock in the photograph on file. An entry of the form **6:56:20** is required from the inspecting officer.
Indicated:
**11:43:37**
